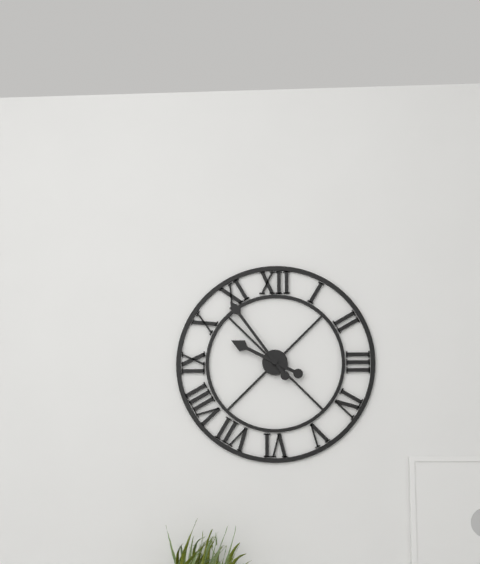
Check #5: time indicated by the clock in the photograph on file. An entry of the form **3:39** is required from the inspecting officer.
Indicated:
**9:54**
